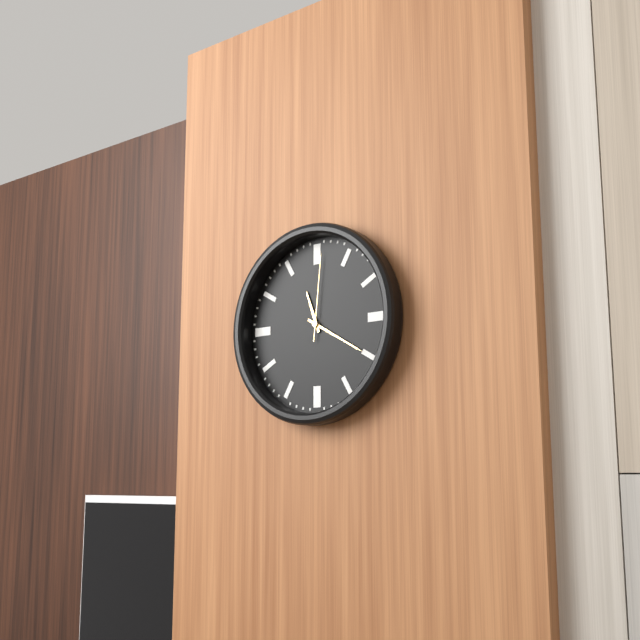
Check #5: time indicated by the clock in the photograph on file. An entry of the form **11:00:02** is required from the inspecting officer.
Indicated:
**11:20:01**
